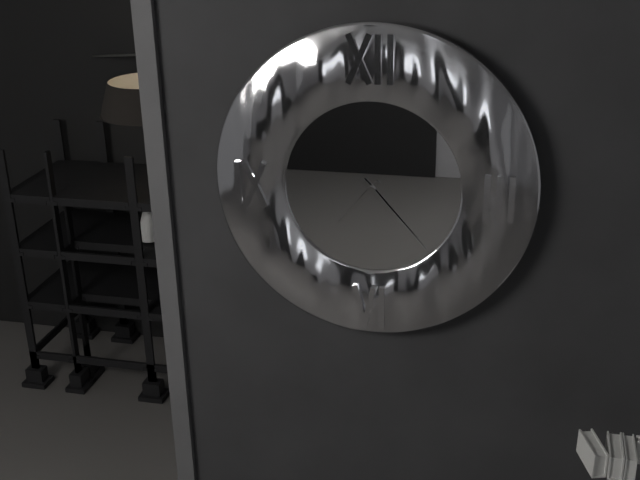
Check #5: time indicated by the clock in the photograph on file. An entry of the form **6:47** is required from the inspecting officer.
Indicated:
**7:23**
